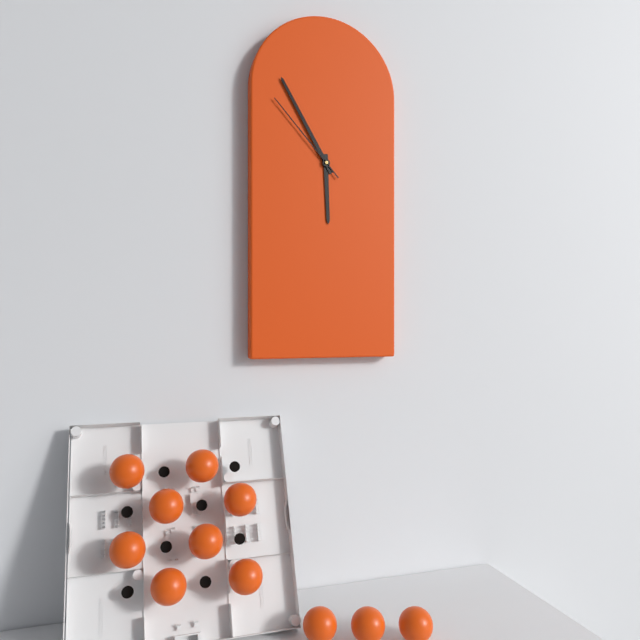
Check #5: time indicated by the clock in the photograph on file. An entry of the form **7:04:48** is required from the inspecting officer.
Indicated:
**5:55:53**
